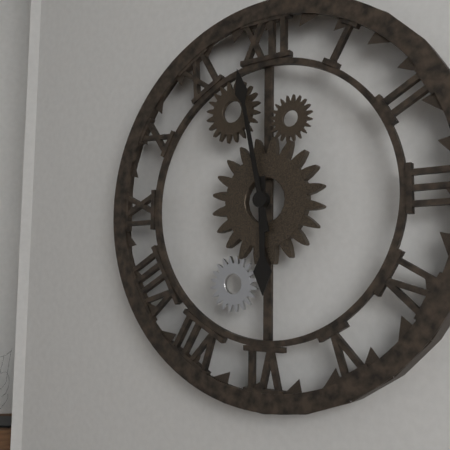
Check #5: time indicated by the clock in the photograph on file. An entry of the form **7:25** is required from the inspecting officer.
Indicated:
**5:58**
